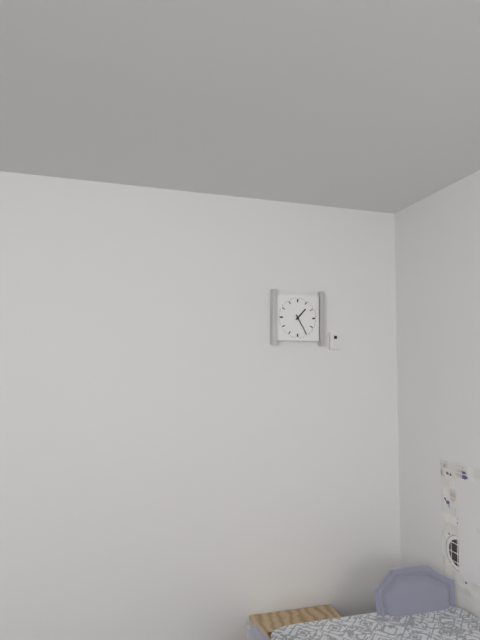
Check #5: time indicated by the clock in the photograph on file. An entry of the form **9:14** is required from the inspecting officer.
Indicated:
**1:25**
